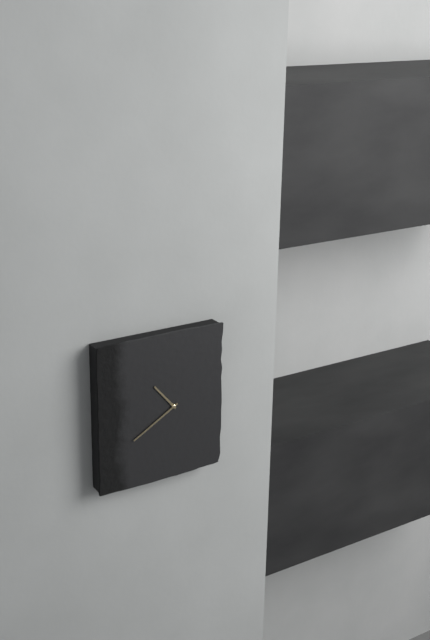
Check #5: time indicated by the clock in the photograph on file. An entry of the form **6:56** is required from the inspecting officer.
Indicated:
**10:40**
